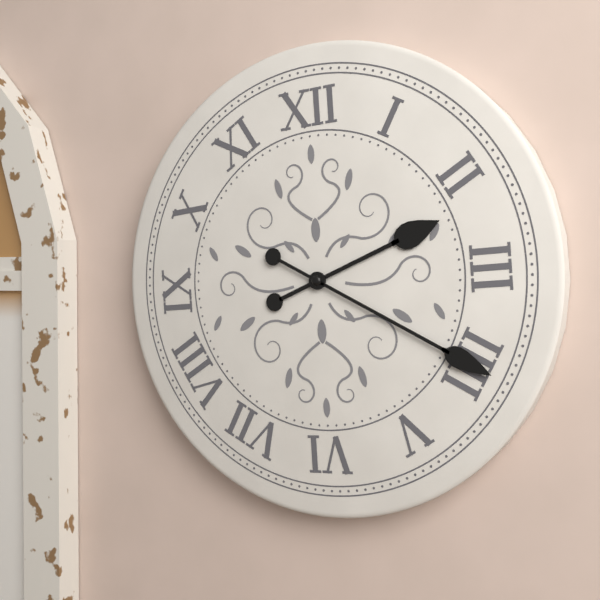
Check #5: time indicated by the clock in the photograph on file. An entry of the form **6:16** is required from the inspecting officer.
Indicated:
**2:20**
